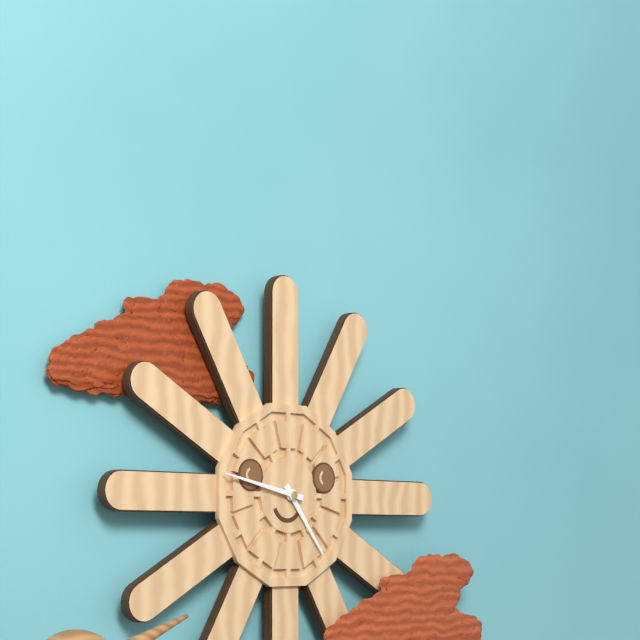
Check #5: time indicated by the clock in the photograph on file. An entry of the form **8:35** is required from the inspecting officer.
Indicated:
**4:47**
